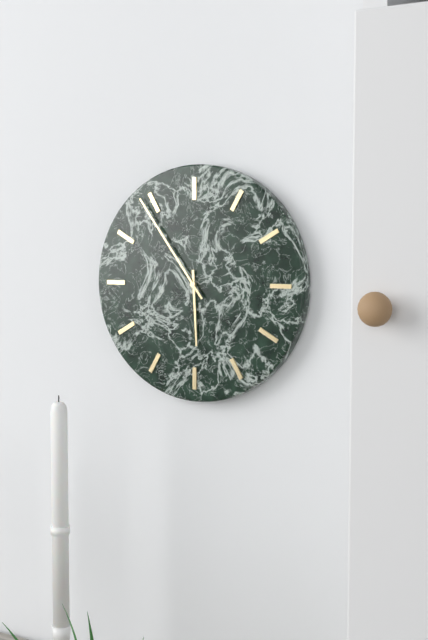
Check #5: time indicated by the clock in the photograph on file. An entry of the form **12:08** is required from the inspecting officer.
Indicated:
**5:54**
